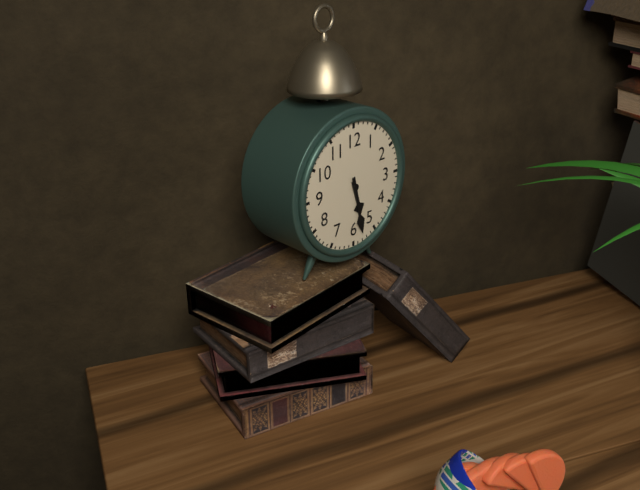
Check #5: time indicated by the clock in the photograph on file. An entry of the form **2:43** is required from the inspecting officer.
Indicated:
**5:28**
